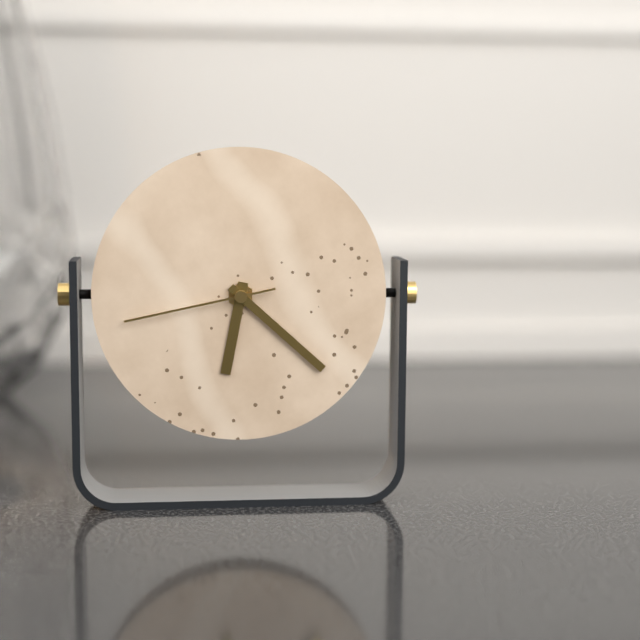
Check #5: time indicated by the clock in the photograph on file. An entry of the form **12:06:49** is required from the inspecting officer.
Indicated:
**6:22:43**
